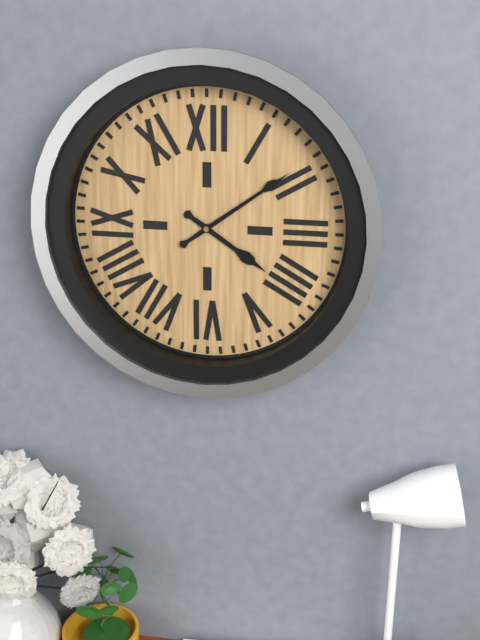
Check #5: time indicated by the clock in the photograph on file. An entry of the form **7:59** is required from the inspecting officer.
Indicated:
**4:09**
